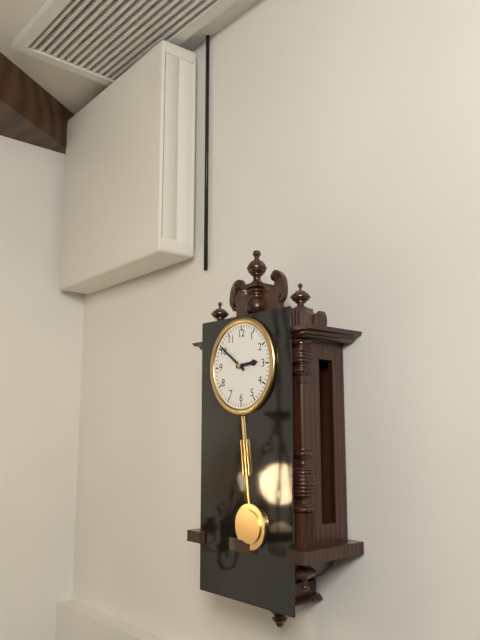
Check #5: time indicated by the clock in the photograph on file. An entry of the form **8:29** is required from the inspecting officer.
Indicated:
**2:51**
